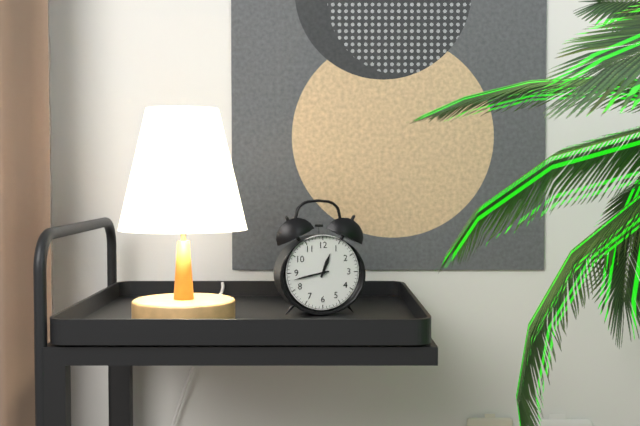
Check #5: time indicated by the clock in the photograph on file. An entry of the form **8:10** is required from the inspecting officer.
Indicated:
**12:43**
